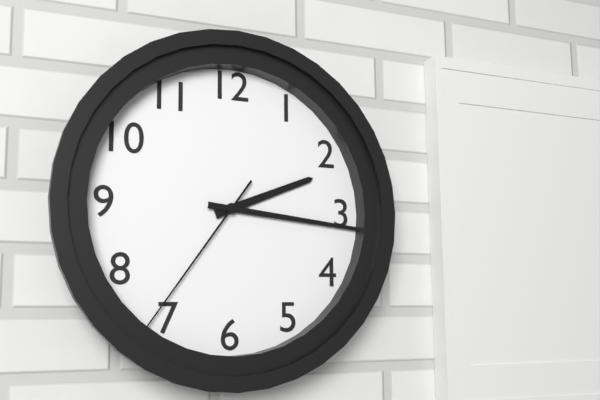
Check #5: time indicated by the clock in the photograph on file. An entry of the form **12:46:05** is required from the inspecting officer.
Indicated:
**2:16:36**
